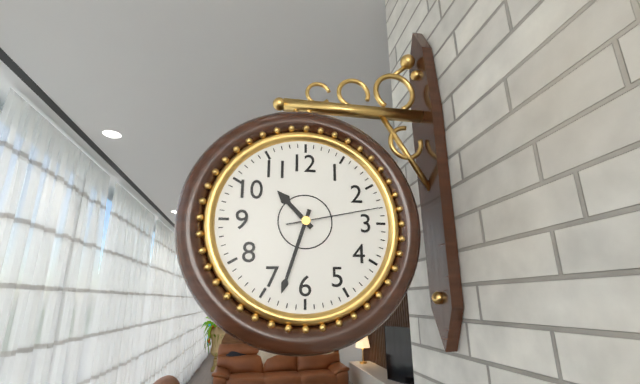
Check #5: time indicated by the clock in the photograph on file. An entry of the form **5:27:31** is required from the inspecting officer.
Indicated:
**10:33:13**
